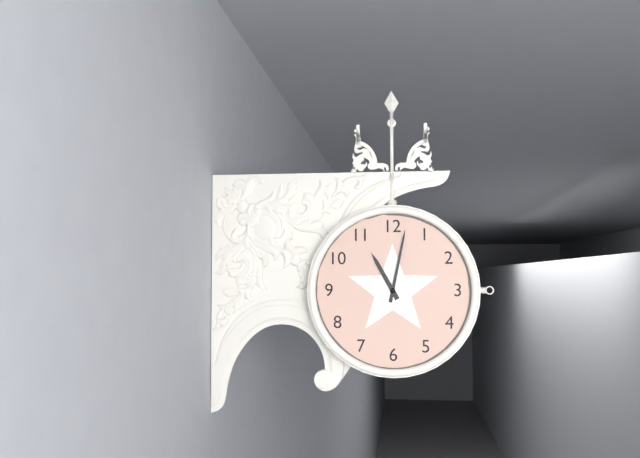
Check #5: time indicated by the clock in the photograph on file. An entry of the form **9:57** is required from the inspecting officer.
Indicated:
**11:02**
